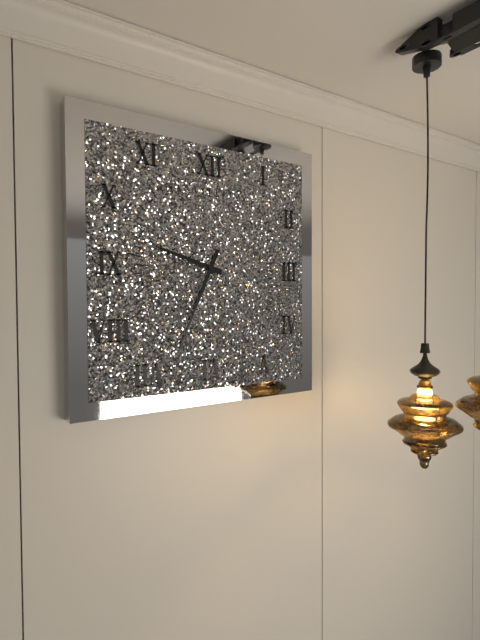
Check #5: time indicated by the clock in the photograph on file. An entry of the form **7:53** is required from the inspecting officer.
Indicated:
**9:34**
